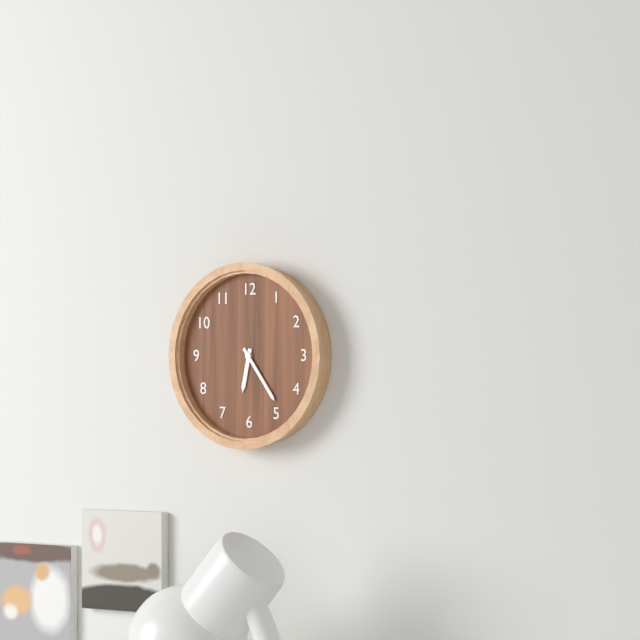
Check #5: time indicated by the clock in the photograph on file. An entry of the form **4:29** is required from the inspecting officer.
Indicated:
**6:24**
